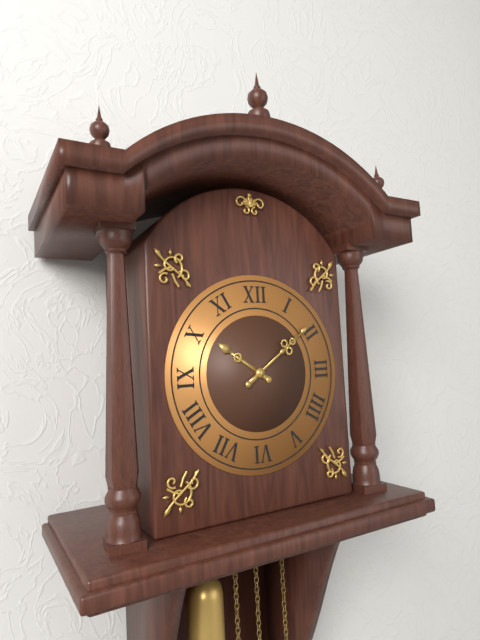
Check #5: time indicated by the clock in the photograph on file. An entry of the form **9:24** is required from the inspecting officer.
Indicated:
**10:09**
